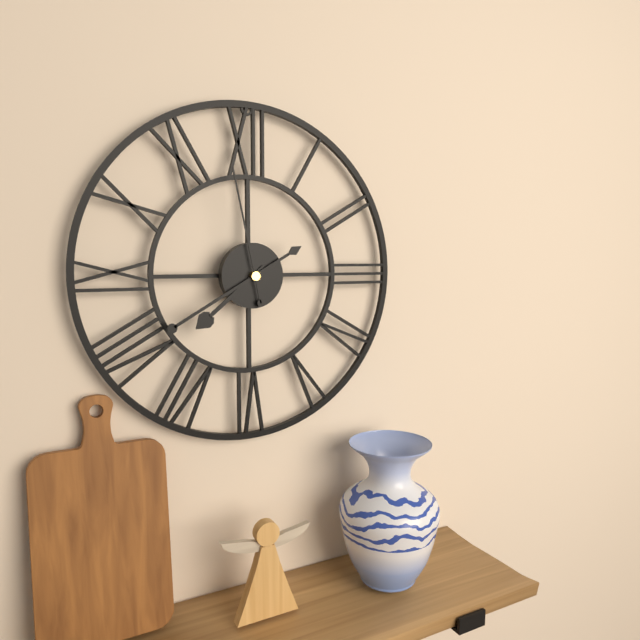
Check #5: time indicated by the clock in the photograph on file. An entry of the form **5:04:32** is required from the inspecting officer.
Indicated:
**7:40:58**
